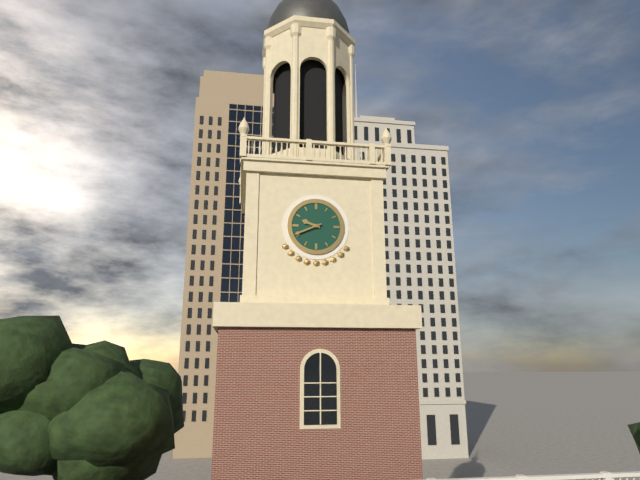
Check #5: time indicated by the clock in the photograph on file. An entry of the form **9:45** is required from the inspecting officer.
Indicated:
**9:41**
